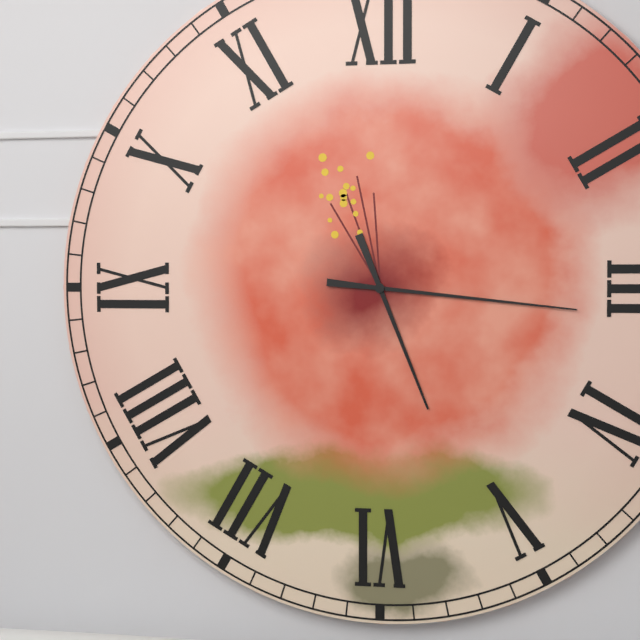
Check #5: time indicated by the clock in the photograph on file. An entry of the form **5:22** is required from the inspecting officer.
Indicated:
**5:16**
